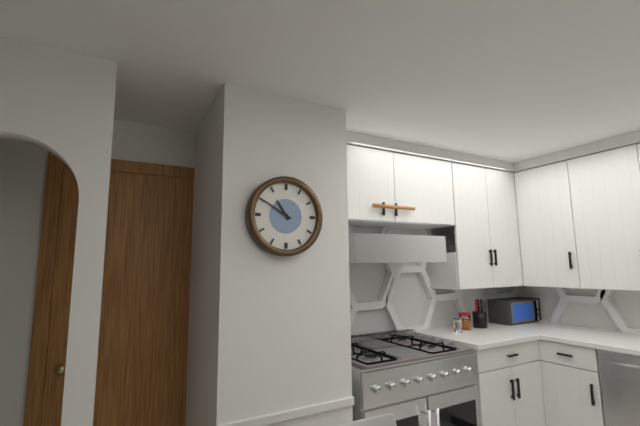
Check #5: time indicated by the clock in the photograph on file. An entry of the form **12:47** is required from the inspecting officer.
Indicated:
**10:50**
